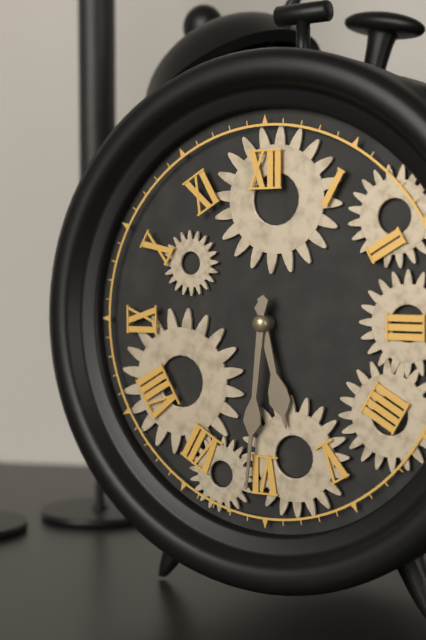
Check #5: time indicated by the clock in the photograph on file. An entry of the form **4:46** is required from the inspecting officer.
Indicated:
**5:31**
